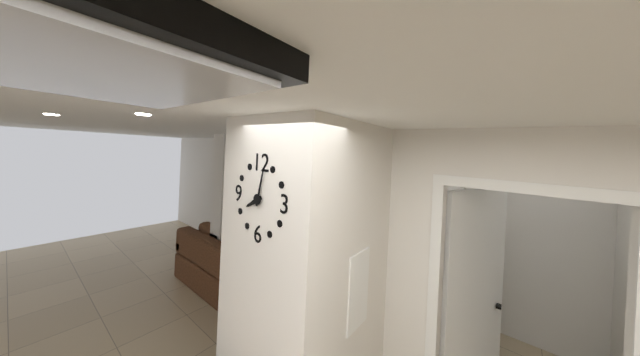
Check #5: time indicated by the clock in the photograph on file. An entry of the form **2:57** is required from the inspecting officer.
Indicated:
**8:02**
